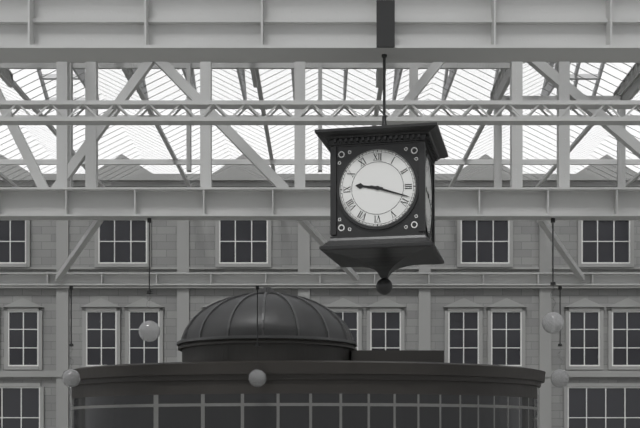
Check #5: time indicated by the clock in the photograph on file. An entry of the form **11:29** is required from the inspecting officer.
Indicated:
**9:18**
